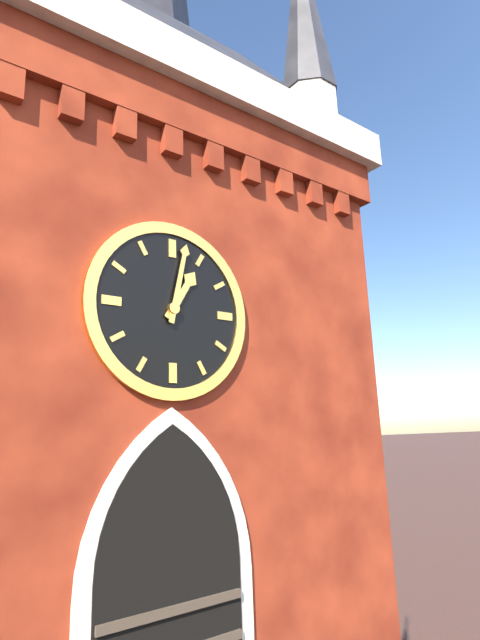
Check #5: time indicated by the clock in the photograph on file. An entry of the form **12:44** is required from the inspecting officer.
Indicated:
**1:02**
